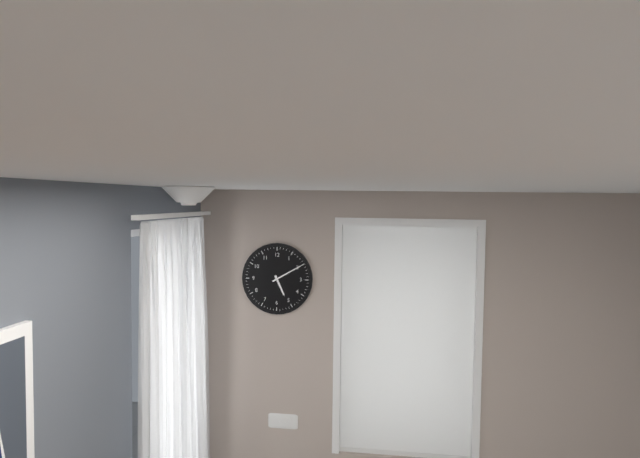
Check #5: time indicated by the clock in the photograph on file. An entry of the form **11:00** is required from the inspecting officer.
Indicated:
**5:10**
